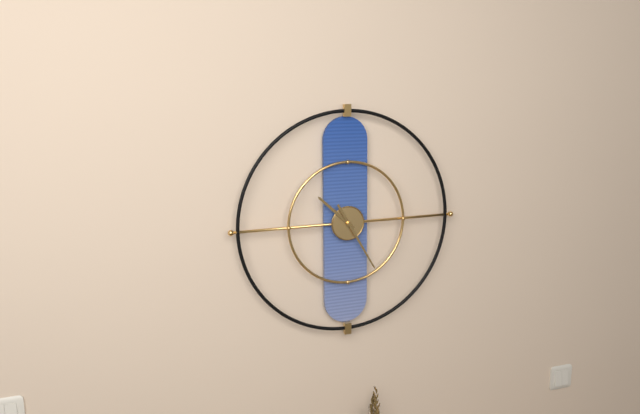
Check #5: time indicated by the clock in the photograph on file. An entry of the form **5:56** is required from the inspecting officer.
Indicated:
**10:25**
